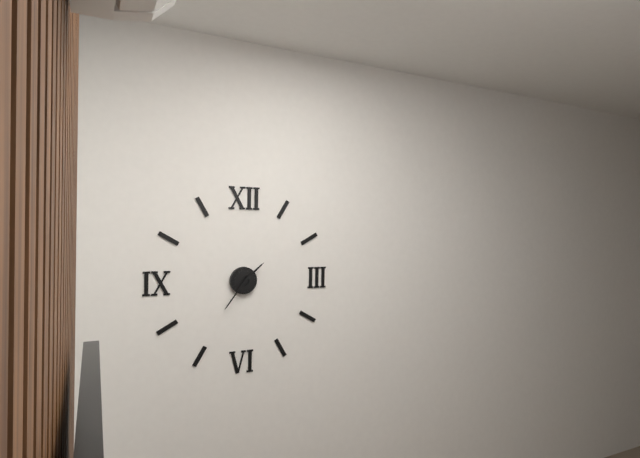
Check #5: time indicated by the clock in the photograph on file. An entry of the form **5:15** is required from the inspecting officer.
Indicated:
**1:36**
